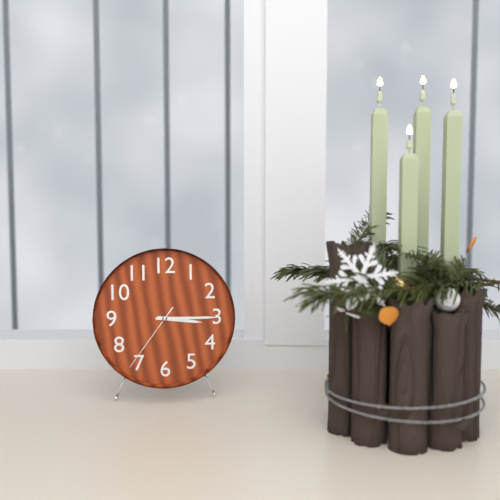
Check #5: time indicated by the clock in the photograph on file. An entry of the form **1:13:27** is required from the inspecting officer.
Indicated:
**3:15:36**
